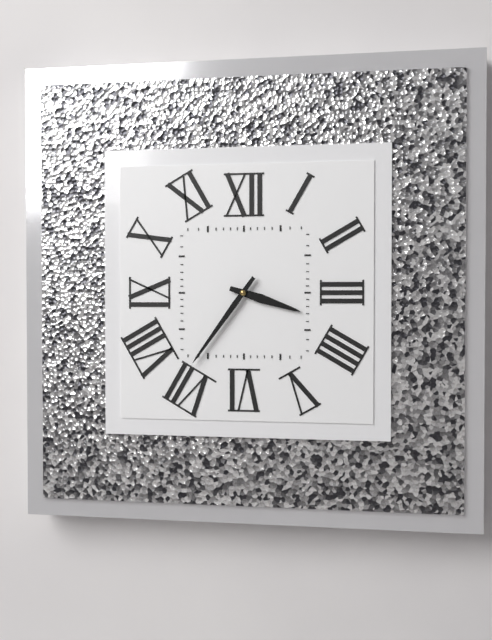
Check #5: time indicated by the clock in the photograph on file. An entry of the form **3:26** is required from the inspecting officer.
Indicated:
**3:36**
